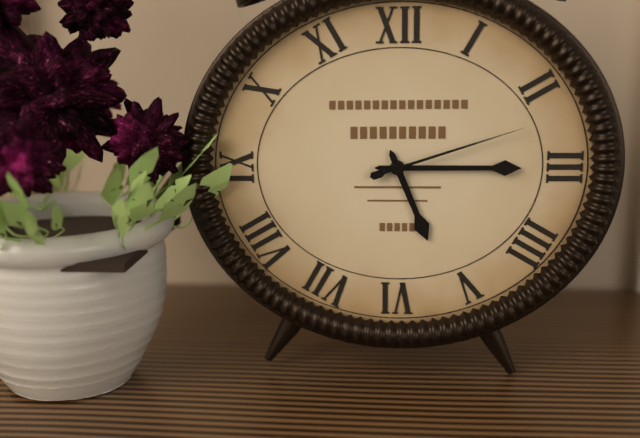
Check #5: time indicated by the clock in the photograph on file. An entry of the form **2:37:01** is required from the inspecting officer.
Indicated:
**5:15:12**
